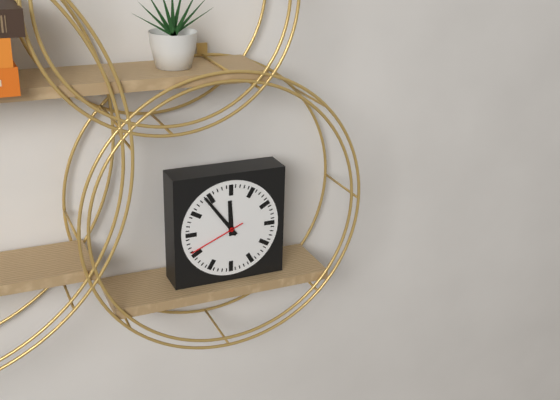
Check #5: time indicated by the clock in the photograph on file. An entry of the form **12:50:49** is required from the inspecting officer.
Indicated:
**11:54:41**
